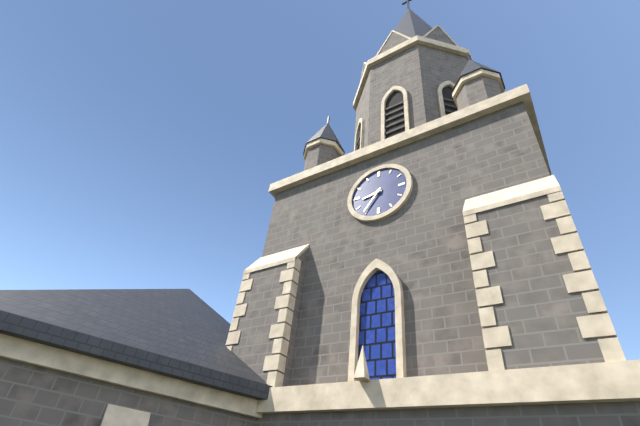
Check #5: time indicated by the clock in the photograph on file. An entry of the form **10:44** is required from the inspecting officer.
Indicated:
**8:36**
